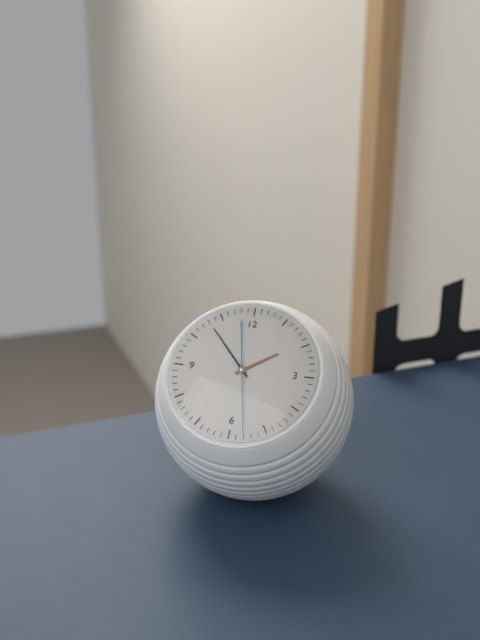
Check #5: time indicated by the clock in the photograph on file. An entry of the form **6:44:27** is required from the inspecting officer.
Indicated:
**1:53:28**
